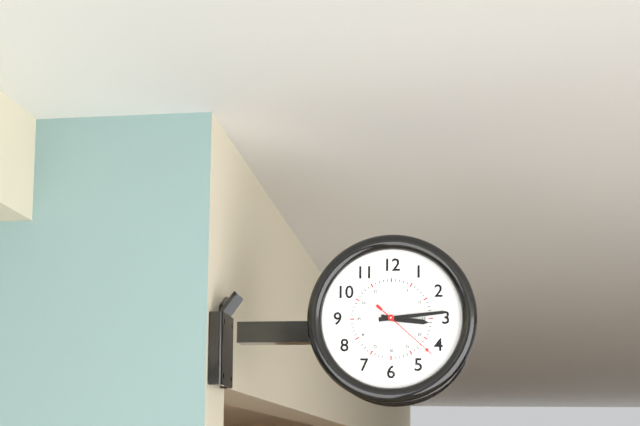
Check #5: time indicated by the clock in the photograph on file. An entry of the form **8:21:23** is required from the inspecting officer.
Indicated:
**3:14:22**
